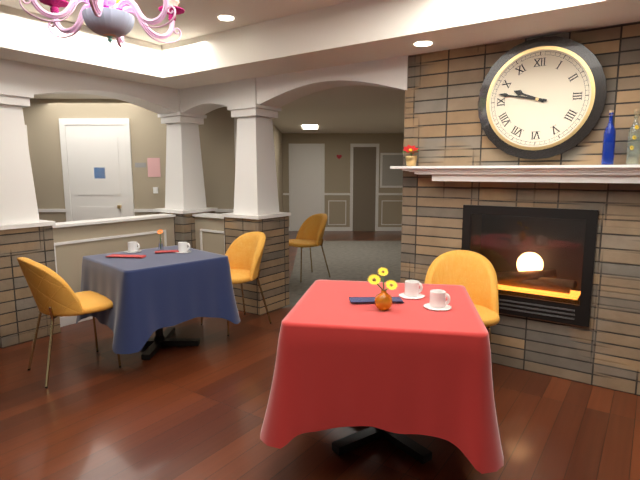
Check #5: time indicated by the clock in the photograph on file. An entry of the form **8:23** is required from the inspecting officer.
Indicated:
**9:47**
